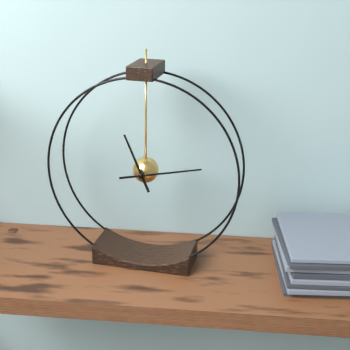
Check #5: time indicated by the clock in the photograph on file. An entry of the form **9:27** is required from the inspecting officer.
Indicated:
**11:13**
